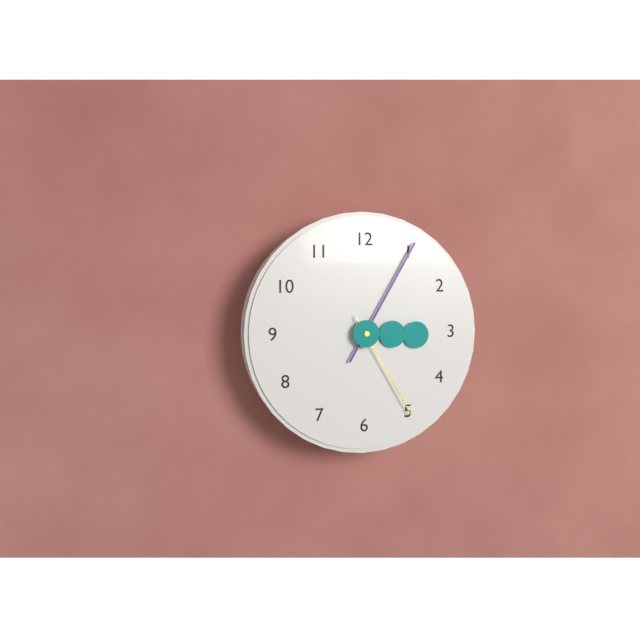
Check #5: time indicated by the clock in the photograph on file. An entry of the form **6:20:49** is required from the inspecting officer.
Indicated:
**3:05:25**
